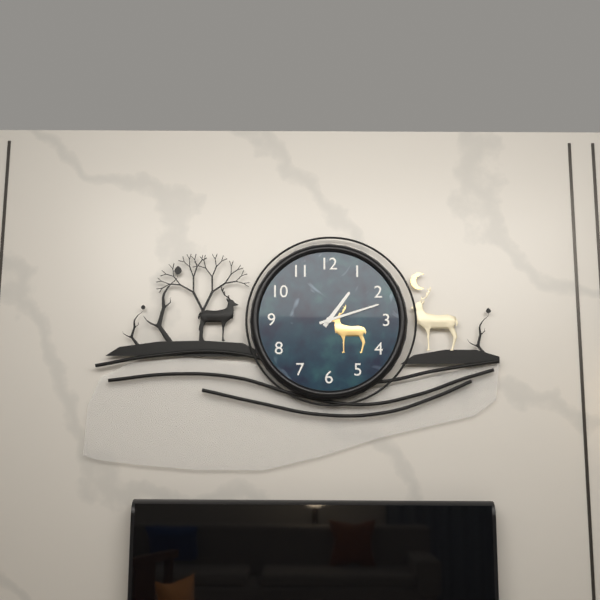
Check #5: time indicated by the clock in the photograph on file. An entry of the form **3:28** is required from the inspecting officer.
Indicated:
**1:12**
